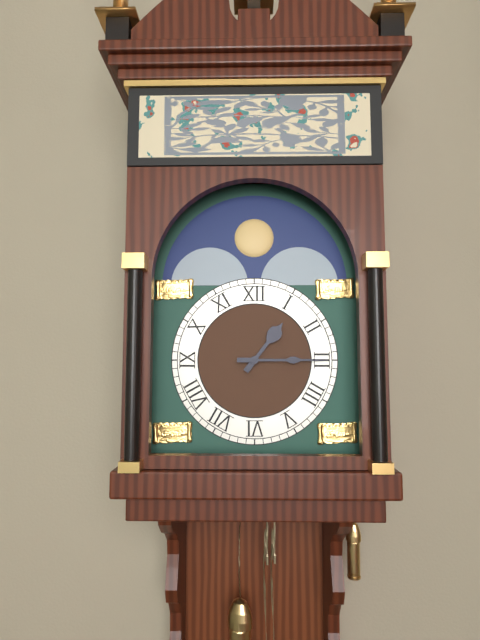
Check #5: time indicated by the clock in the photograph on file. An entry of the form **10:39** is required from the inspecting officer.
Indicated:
**1:15**
